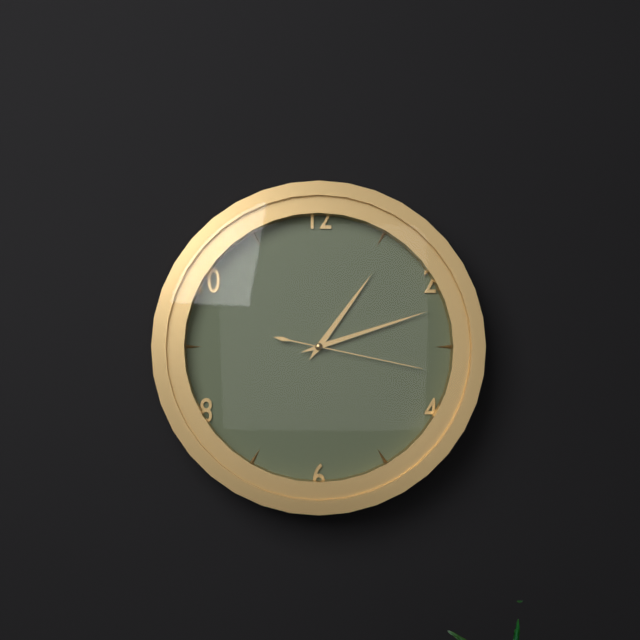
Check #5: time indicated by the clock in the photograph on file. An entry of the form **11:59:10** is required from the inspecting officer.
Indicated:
**1:12:17**
